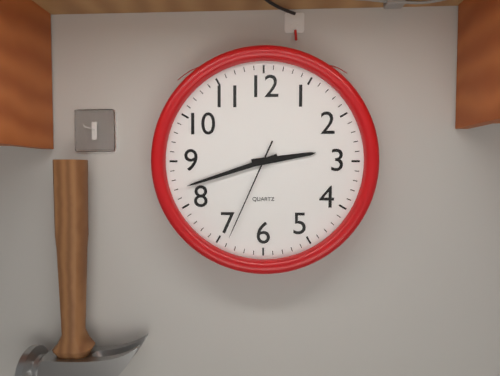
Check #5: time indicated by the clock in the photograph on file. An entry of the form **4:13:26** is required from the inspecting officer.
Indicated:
**2:42:34**
